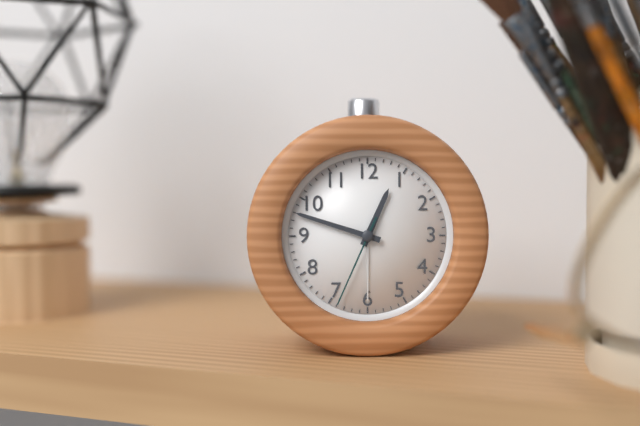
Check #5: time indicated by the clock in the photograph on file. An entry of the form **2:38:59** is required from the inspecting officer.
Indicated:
**12:48:34**
